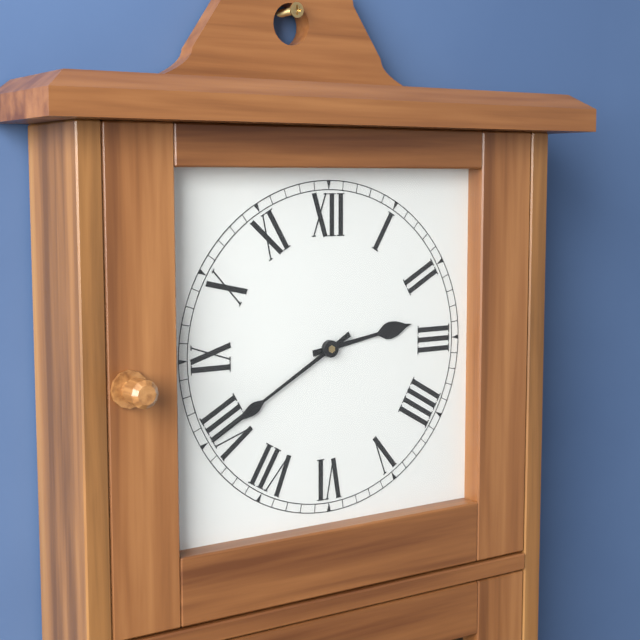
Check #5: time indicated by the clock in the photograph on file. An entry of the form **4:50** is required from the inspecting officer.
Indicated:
**2:40**
